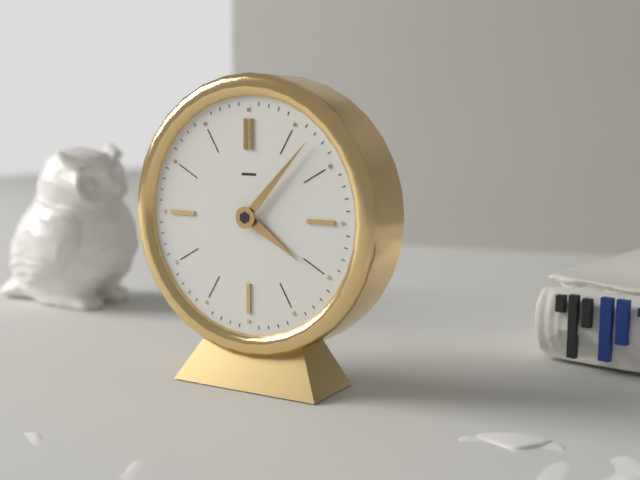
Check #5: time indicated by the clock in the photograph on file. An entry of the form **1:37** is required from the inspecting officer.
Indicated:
**4:07**
